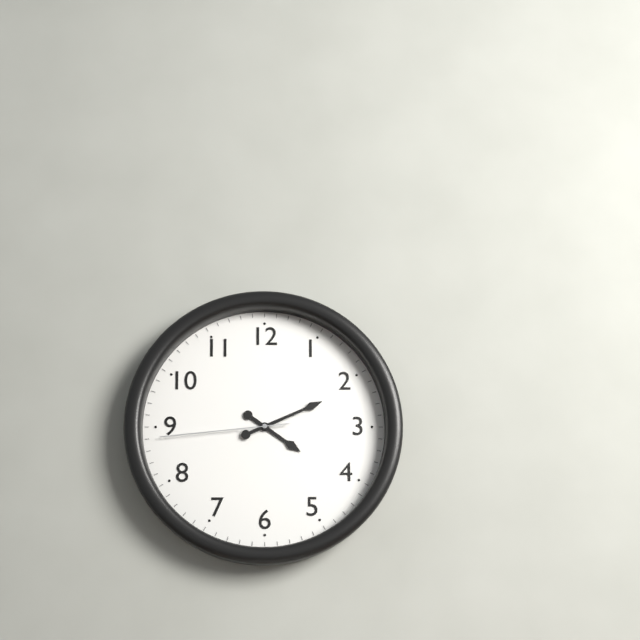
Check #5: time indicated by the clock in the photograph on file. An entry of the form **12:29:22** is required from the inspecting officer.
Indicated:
**4:11:44**
